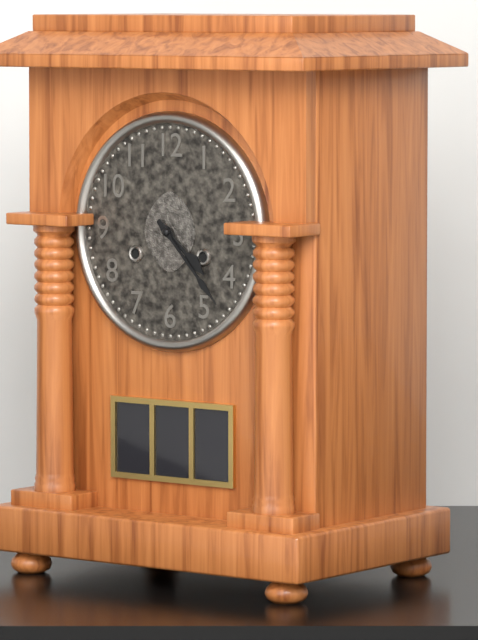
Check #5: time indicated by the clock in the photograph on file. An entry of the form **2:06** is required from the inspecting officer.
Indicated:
**4:23**
